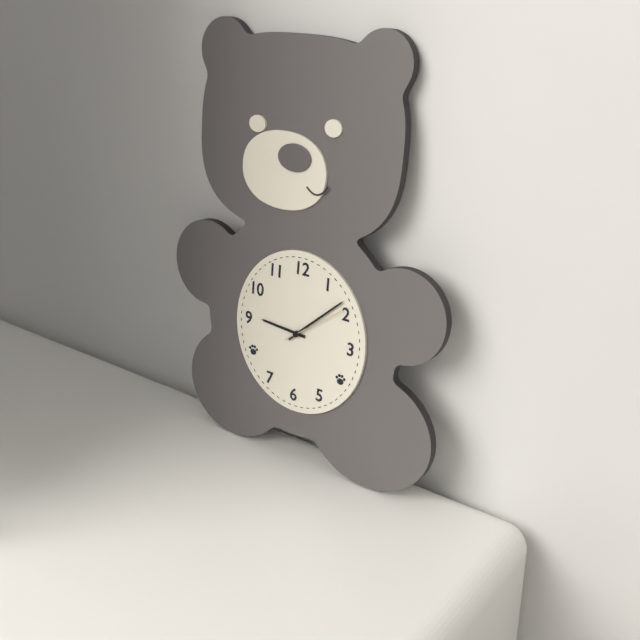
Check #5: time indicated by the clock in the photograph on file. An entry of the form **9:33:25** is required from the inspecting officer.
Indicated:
**9:08:09**
